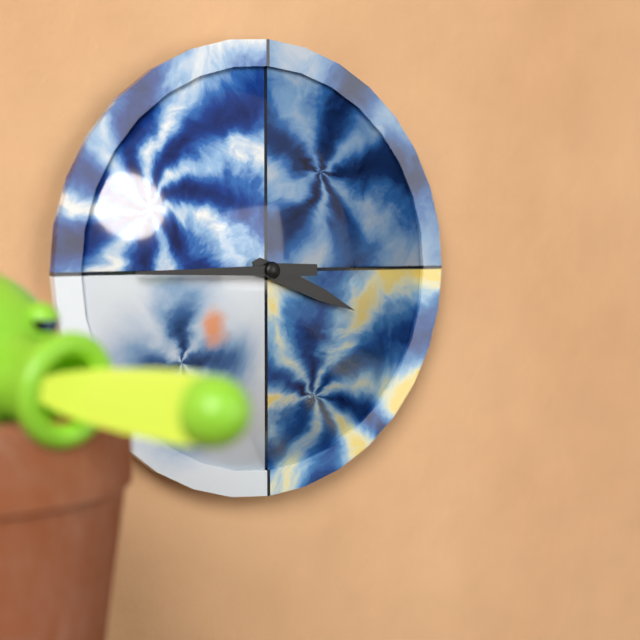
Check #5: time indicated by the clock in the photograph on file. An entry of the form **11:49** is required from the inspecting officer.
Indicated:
**3:45**
